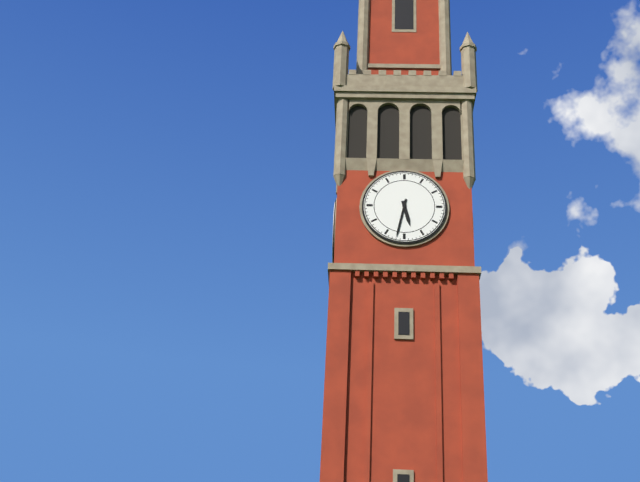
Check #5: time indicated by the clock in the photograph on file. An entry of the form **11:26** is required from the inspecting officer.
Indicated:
**5:32**
